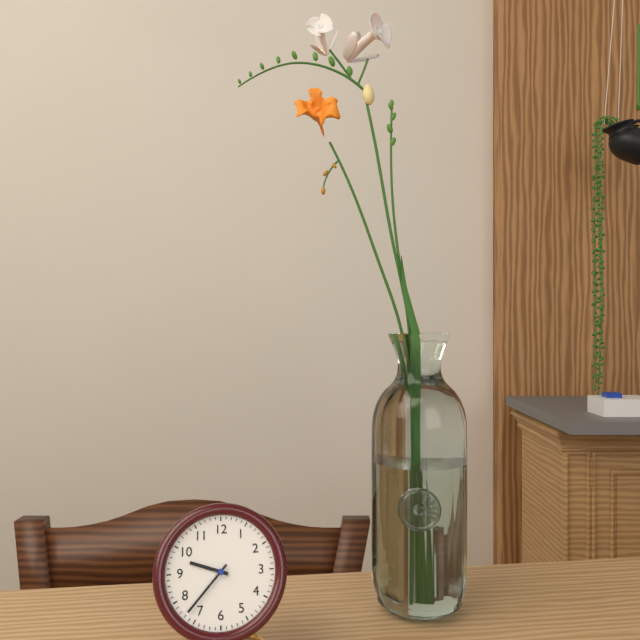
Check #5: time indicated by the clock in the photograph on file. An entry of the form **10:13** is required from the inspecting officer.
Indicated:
**9:37**
